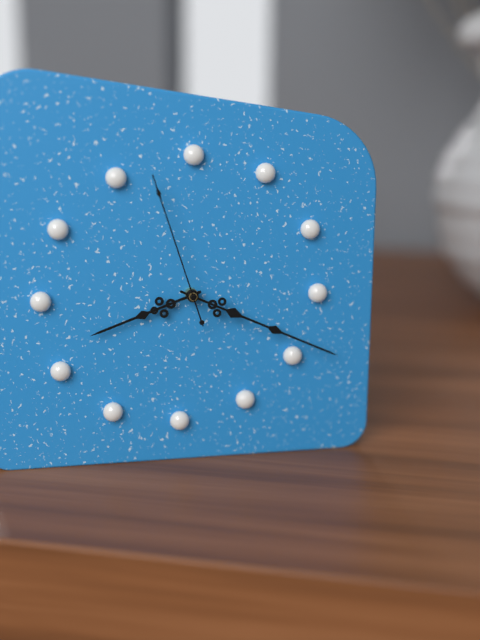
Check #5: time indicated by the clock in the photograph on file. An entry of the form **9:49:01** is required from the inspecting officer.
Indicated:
**8:19:57**
